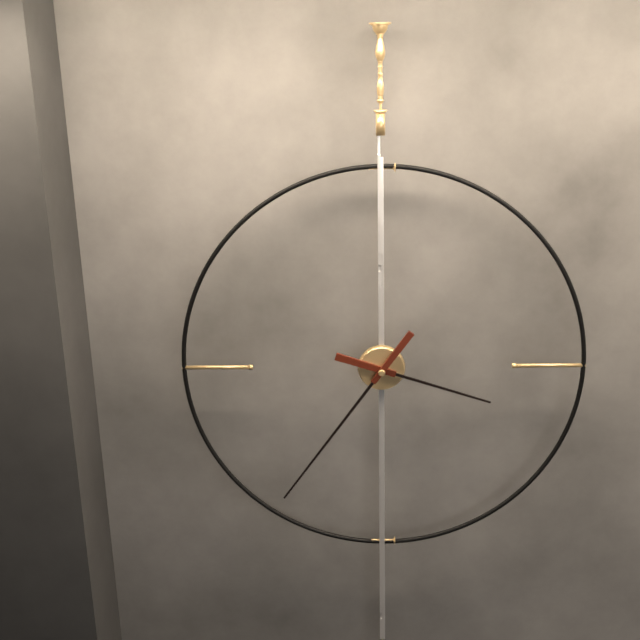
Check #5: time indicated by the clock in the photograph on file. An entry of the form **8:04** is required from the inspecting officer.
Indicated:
**3:36**
